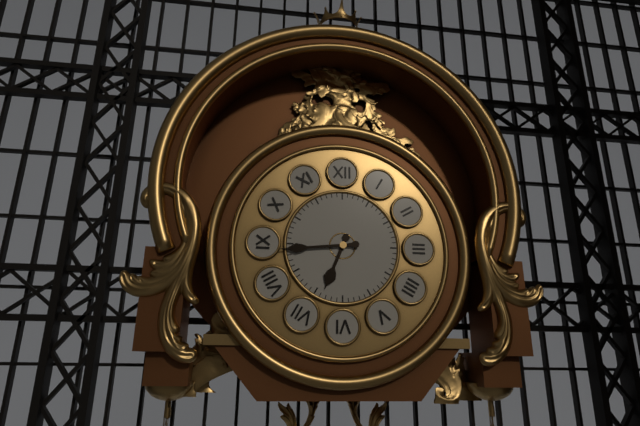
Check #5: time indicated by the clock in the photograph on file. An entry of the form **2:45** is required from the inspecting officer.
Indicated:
**6:44**
